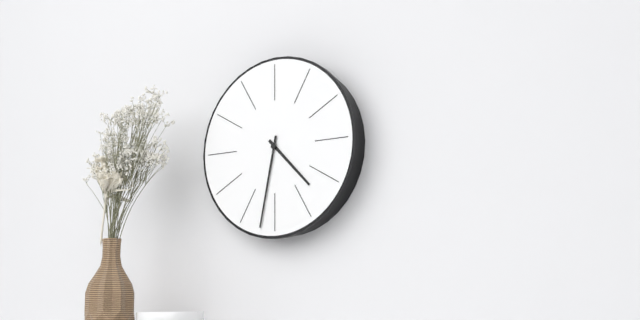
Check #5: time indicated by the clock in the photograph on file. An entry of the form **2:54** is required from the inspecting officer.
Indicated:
**4:32**
